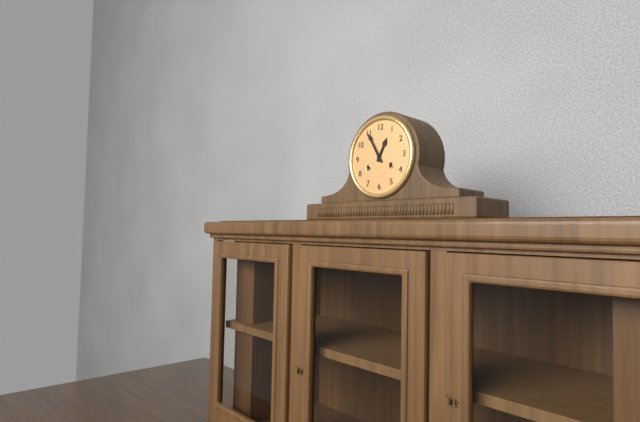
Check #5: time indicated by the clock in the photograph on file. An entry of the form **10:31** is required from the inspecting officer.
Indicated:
**12:55**
